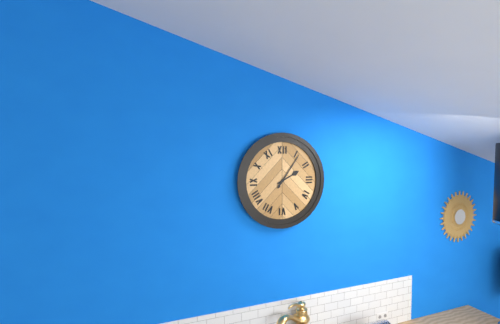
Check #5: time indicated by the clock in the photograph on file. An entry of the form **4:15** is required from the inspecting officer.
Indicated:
**2:06**
